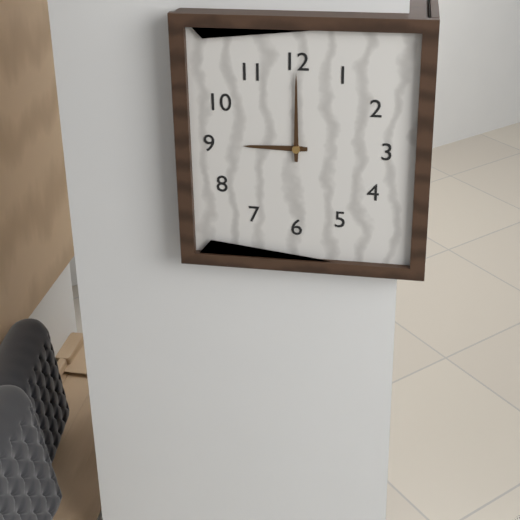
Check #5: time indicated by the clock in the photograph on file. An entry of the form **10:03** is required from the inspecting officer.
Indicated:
**9:00**
